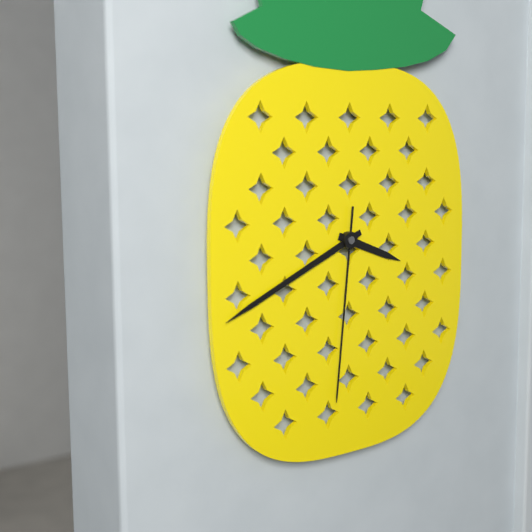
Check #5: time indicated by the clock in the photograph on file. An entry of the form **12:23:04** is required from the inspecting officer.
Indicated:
**3:41:31**
